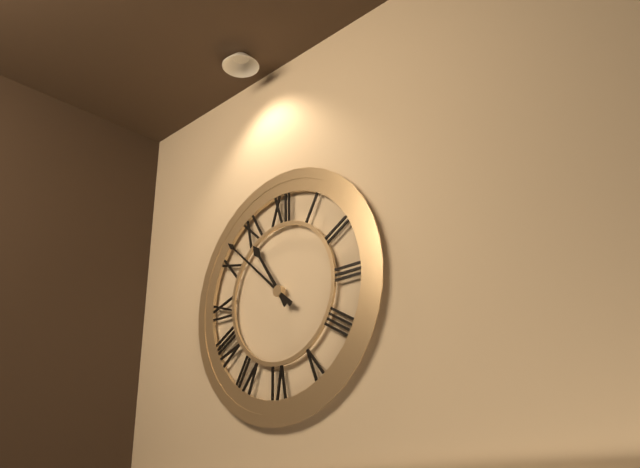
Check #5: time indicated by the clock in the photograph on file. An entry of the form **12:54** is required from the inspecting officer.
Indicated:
**10:52**
